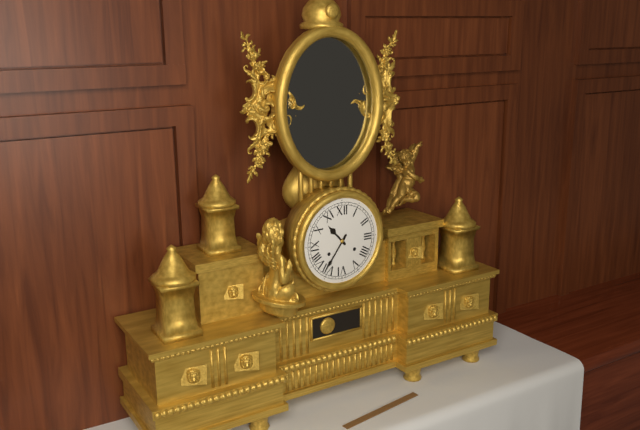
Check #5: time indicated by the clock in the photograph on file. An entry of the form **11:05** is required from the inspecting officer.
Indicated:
**10:36**
